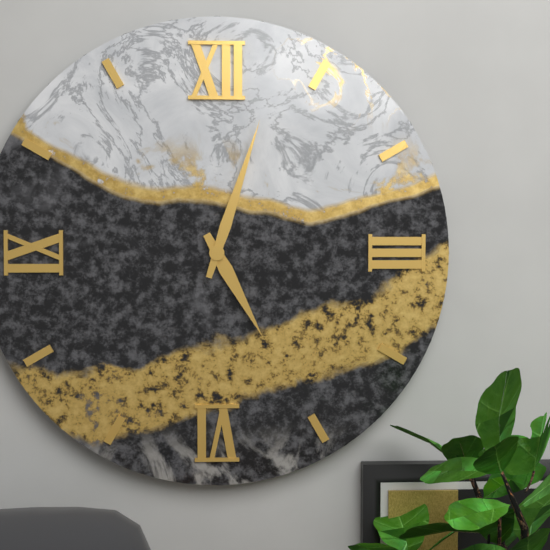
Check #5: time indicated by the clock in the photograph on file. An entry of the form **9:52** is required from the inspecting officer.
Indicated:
**5:03**
